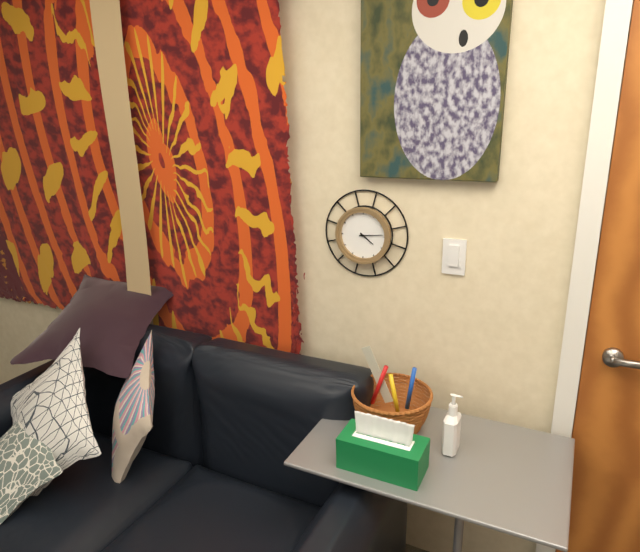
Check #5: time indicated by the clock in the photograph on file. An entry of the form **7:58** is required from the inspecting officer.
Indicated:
**4:14**
